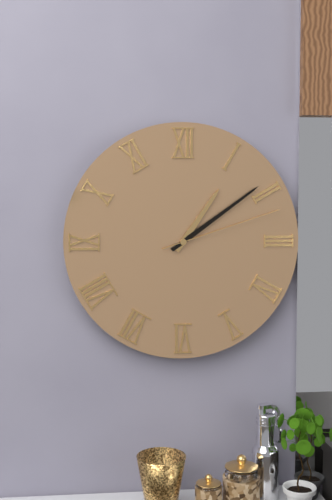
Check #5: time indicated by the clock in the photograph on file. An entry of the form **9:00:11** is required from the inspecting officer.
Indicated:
**1:09:12**
